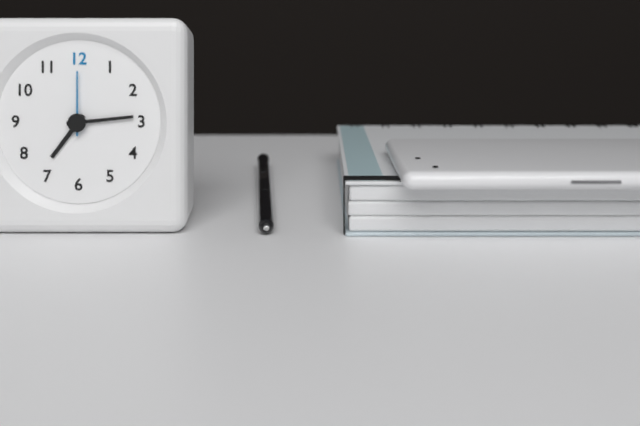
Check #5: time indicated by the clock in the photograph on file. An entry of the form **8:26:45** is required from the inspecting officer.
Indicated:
**7:14:00**
